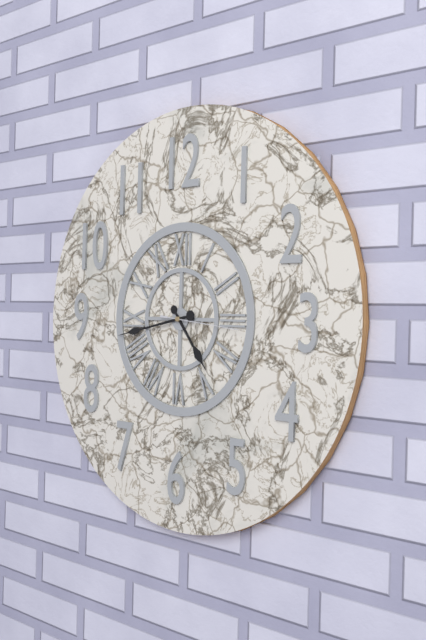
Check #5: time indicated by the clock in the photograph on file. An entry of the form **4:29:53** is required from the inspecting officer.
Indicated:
**4:43:16**
